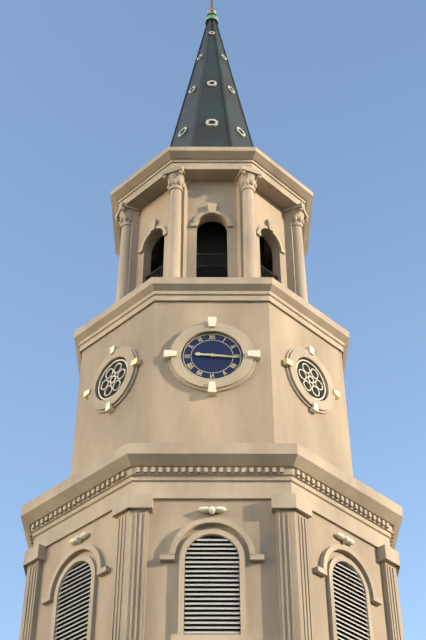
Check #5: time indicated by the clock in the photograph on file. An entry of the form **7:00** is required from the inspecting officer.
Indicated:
**9:16**
